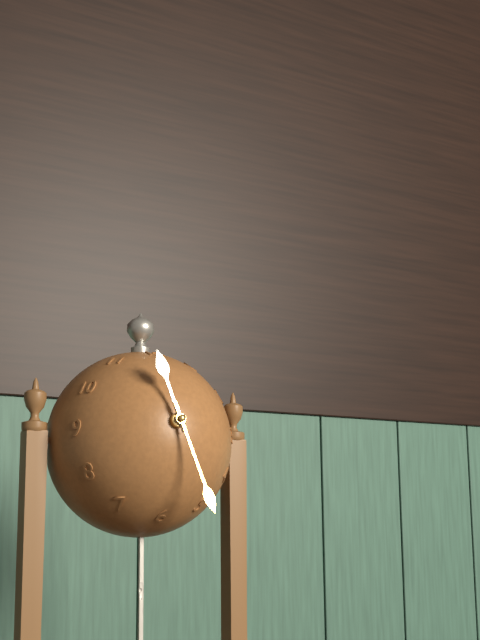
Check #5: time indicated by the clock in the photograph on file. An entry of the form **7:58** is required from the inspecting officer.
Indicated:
**11:27**
